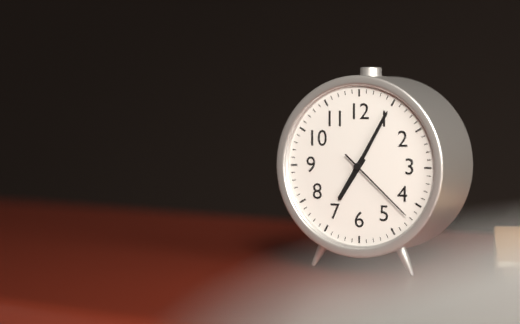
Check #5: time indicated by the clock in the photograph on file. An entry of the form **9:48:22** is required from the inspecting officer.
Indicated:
**7:05:22**
